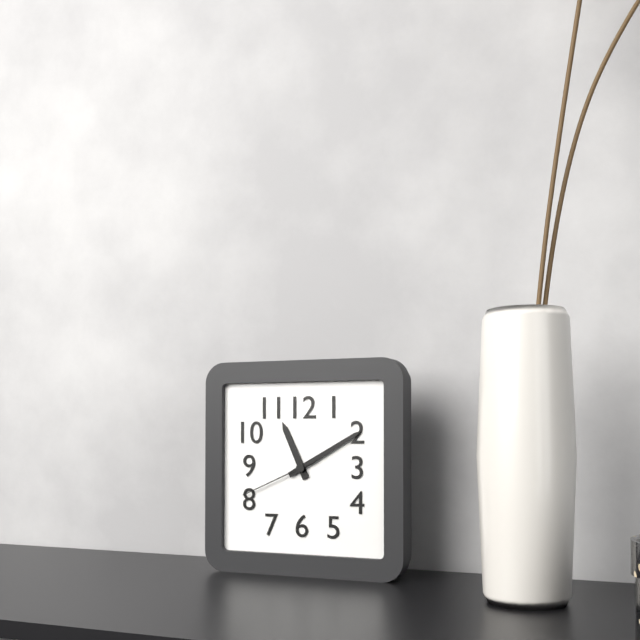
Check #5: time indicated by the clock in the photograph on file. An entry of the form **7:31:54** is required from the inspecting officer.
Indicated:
**11:10:41**
